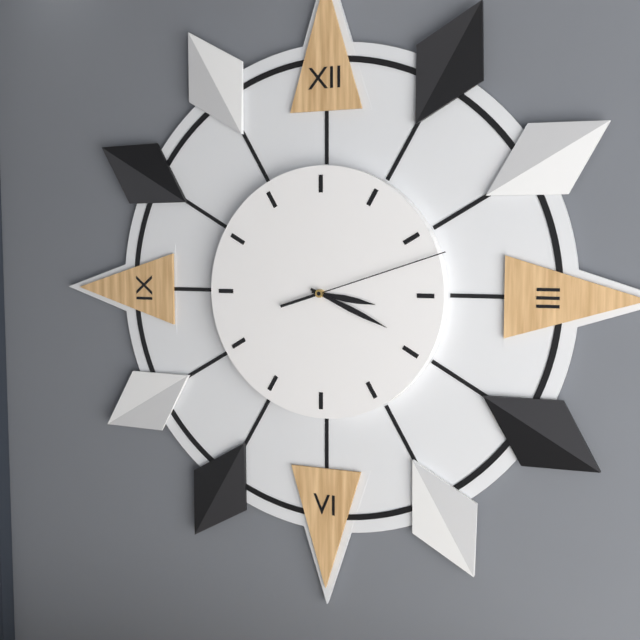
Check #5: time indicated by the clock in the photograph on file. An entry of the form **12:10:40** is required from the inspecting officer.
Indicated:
**3:19:12**
